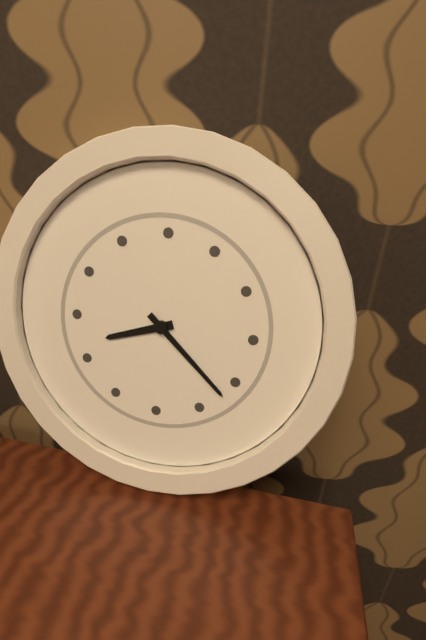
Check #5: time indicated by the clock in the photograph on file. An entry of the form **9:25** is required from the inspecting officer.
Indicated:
**8:22**
